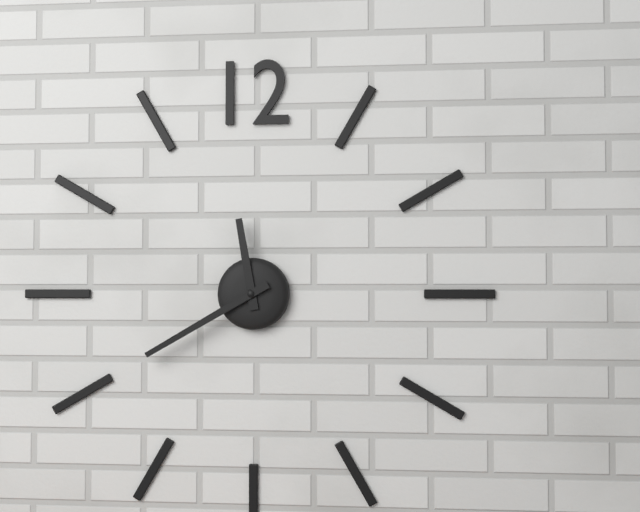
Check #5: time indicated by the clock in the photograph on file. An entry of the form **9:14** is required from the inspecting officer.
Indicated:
**11:40**
